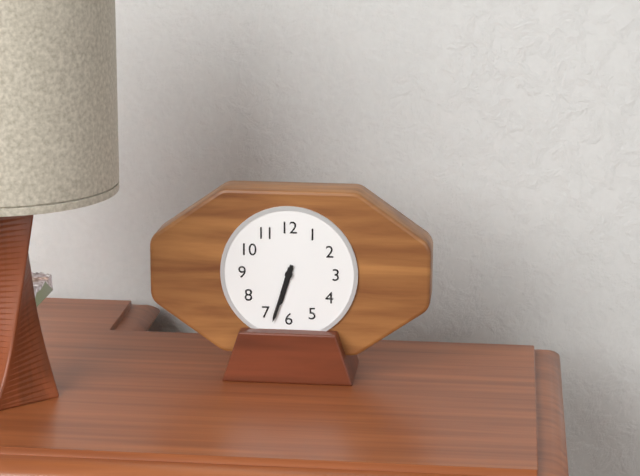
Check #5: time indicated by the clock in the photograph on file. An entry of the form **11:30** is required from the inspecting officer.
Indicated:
**6:33**
